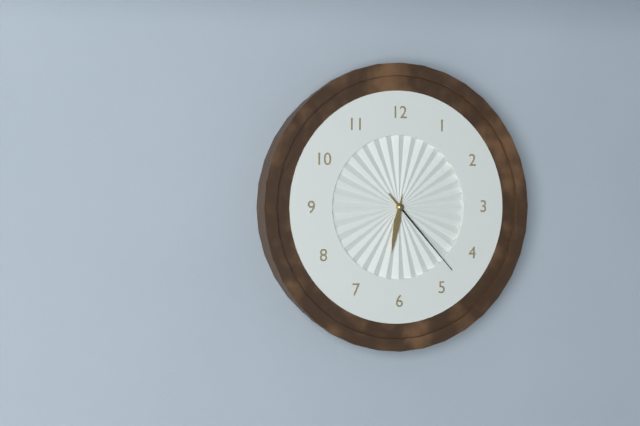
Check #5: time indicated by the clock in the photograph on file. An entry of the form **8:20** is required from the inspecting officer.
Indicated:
**6:23**
